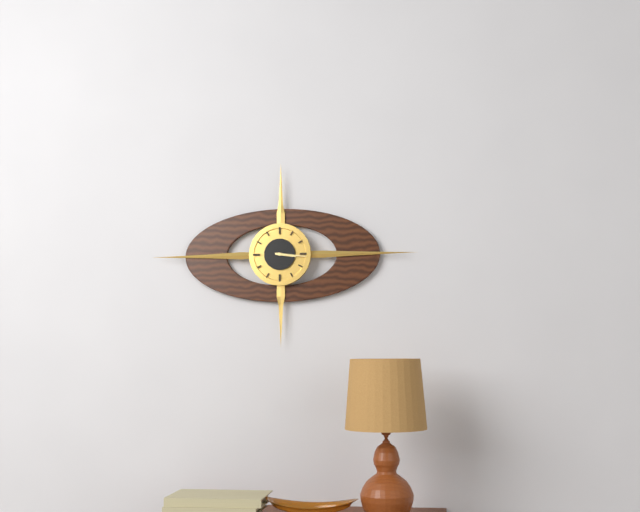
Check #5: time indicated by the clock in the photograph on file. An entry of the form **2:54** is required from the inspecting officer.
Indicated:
**3:16**
